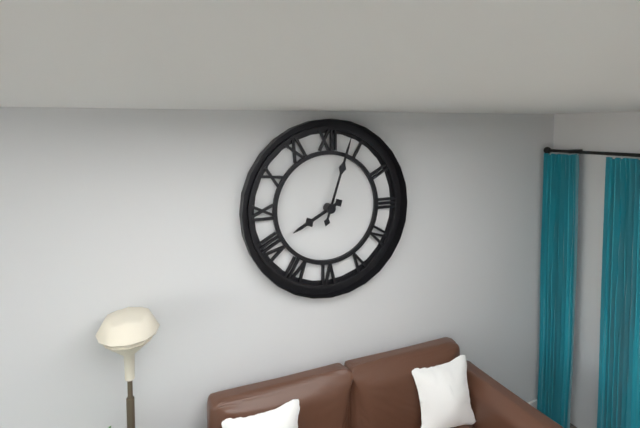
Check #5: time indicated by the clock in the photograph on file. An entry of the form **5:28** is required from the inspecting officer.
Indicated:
**8:03**
